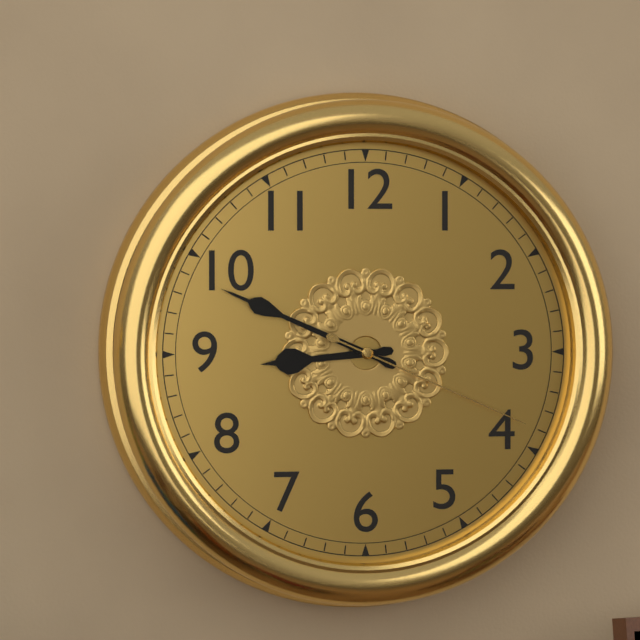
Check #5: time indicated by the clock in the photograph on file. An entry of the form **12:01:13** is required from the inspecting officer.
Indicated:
**8:49:19**
